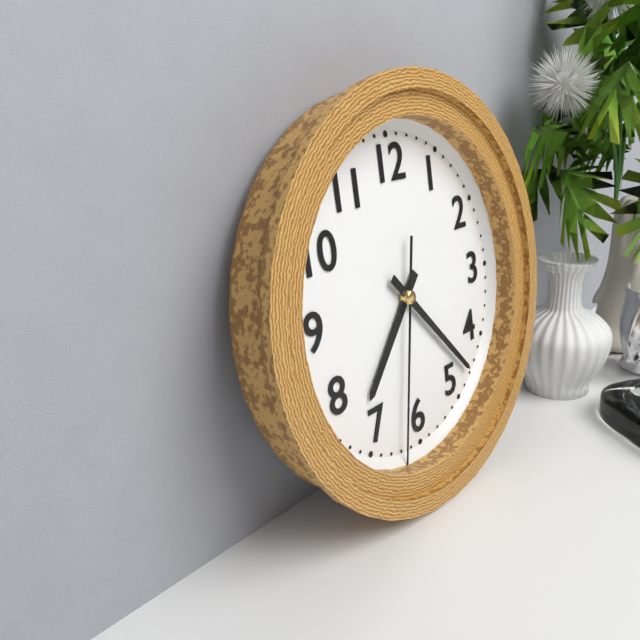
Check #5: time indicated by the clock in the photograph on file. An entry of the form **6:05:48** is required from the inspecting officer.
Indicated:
**7:23:32**
